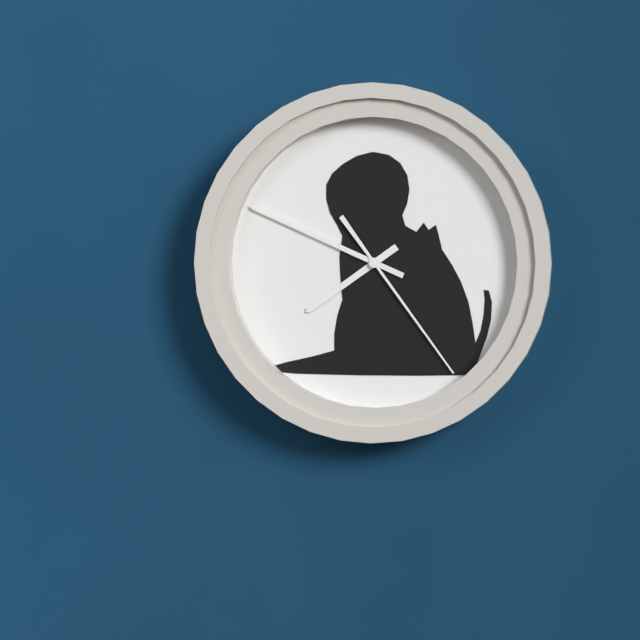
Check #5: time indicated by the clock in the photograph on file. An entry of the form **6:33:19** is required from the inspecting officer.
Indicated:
**7:49:24**
